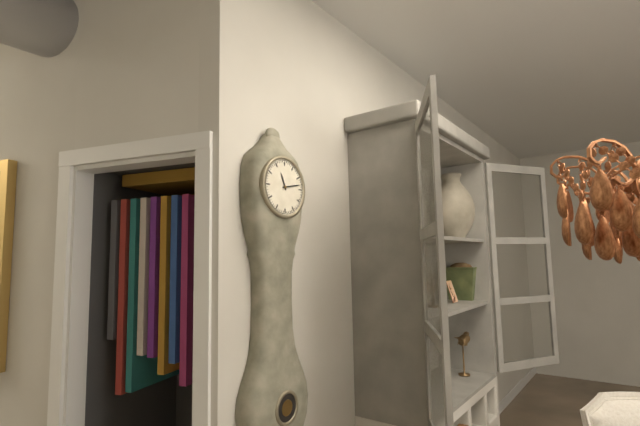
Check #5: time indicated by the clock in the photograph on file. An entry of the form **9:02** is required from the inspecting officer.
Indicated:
**11:13**
